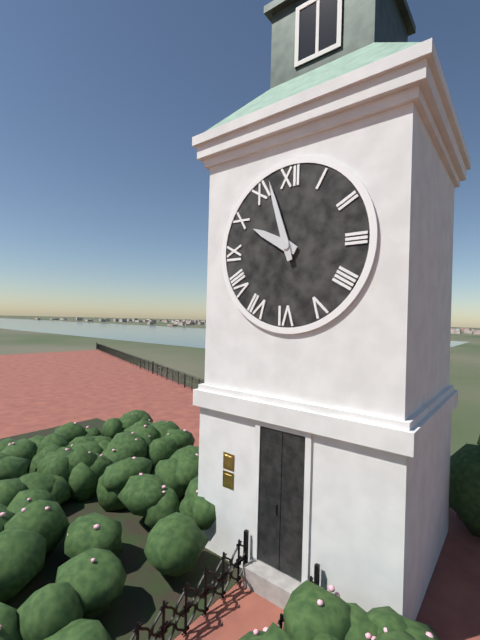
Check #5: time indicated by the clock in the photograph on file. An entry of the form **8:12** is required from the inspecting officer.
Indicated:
**9:57**
